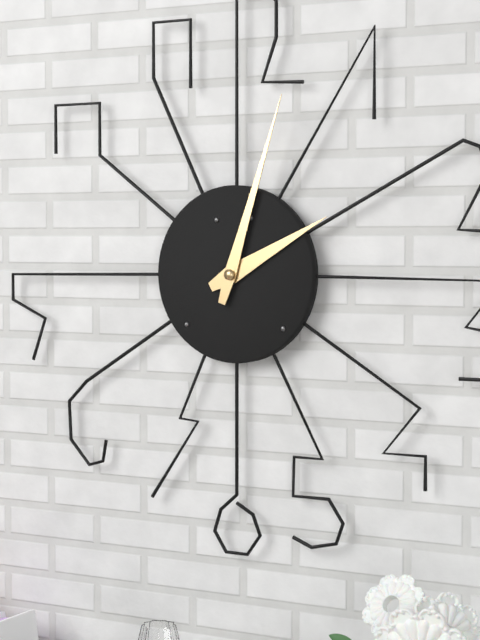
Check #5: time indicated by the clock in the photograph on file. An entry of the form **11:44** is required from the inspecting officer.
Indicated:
**2:03**
